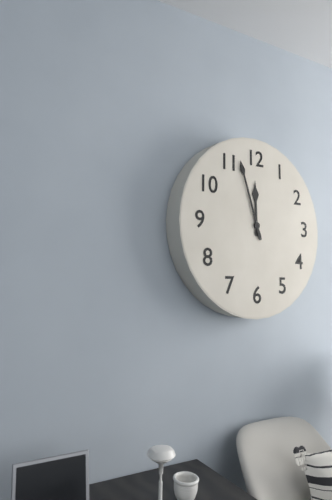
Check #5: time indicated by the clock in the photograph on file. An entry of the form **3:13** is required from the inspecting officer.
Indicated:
**11:57**
